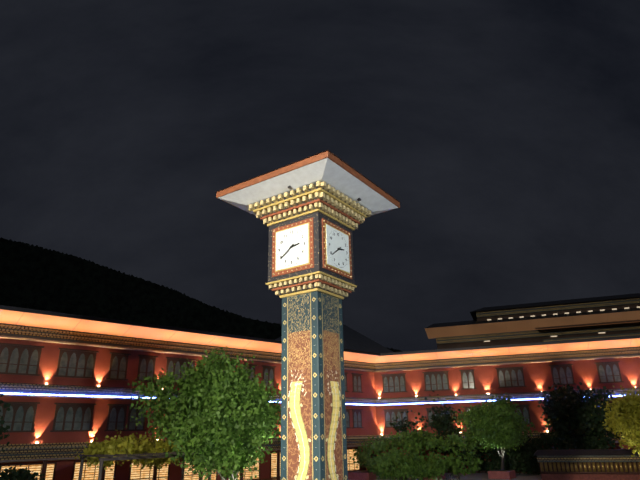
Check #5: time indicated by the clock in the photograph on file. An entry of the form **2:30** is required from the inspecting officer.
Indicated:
**2:39**
